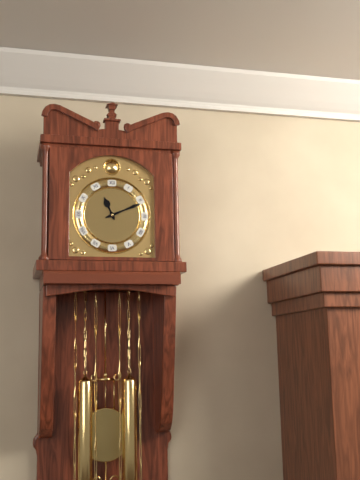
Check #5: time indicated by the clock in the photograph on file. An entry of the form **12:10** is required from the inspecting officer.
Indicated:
**11:11**
